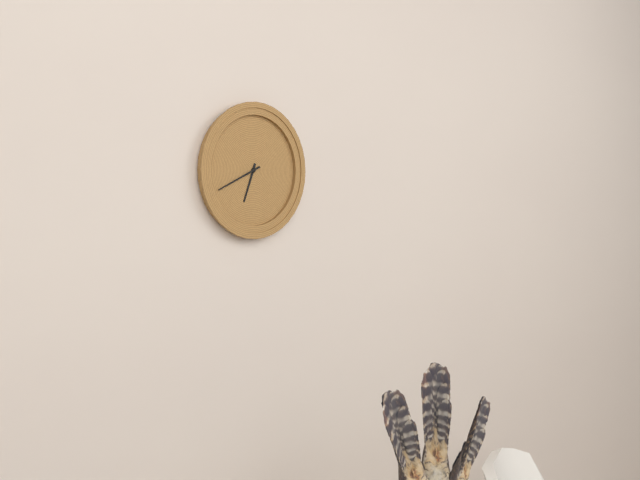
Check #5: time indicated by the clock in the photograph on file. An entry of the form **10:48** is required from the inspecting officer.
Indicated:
**6:41**
